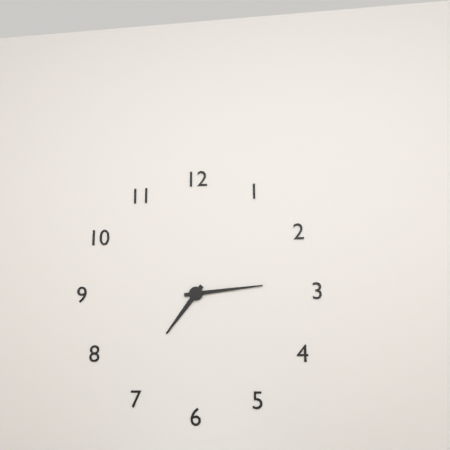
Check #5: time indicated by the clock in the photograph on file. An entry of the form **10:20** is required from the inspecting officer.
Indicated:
**7:14**
